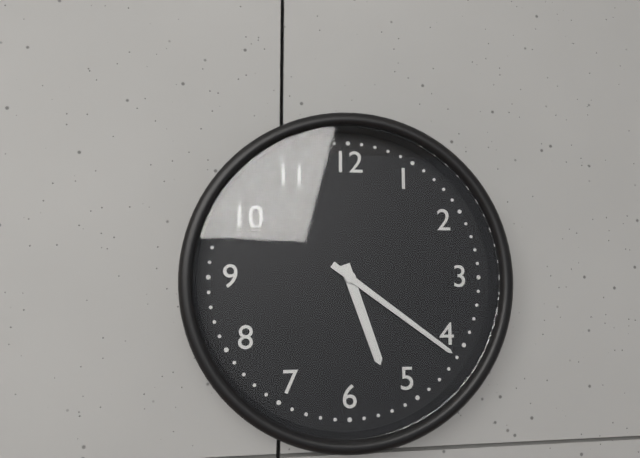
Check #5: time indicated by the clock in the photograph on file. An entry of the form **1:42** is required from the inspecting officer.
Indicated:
**5:21**
